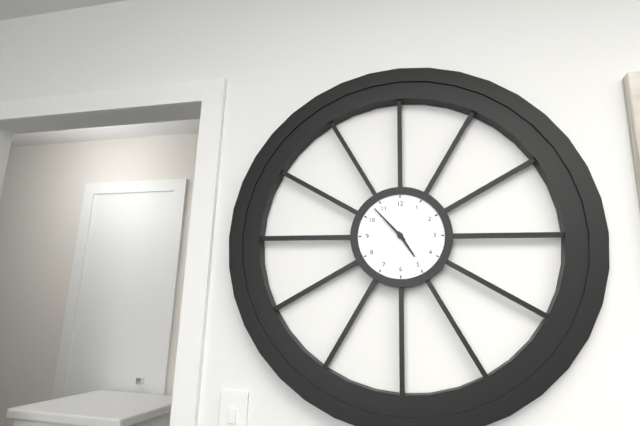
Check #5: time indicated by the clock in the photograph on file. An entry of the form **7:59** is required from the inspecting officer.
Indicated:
**4:53**
